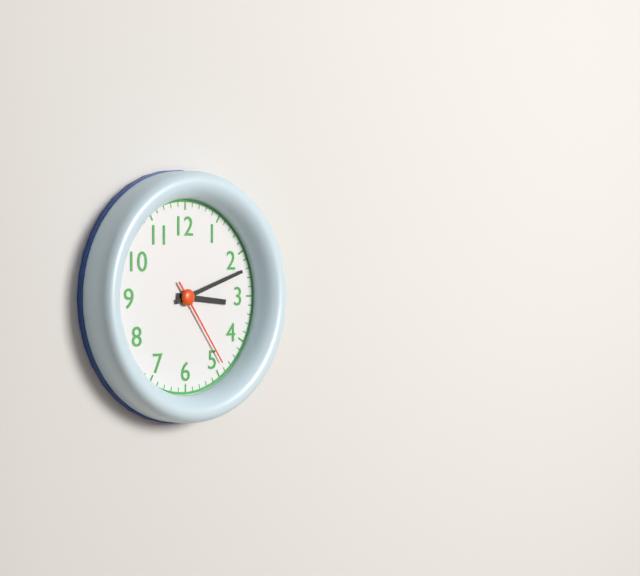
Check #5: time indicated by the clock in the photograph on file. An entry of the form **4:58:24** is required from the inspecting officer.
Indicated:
**3:12:24**
